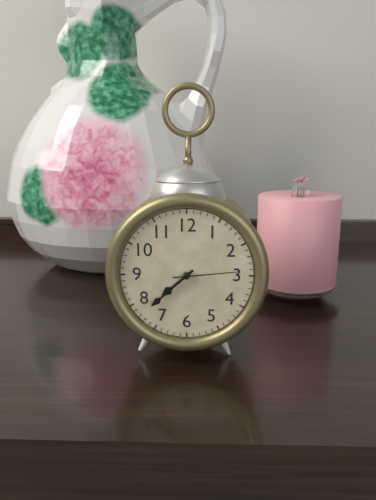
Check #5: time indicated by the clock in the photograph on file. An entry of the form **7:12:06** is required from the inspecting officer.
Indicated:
**7:38:14**
